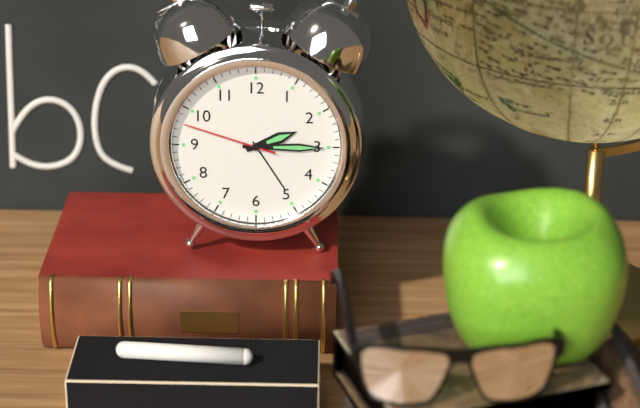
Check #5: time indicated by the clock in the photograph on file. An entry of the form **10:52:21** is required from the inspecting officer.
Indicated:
**2:15:48**
